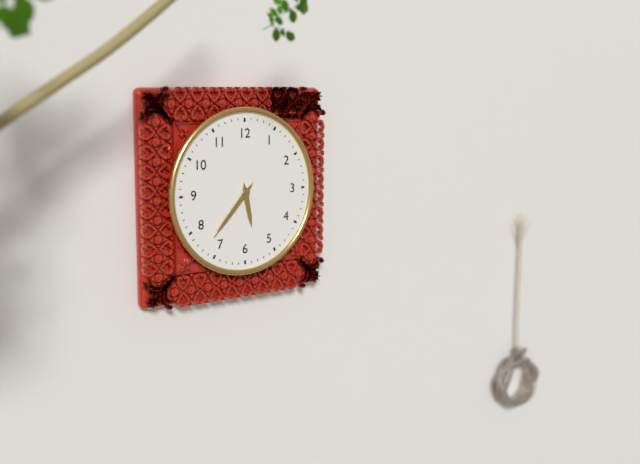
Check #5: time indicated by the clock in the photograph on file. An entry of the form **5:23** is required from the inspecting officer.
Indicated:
**5:37**
